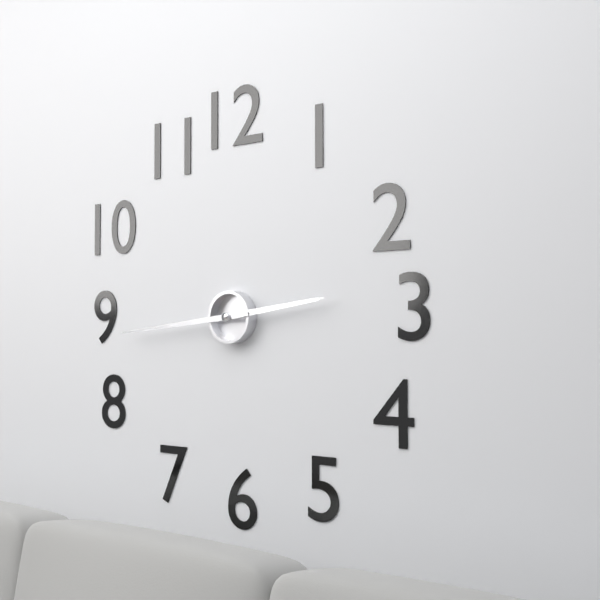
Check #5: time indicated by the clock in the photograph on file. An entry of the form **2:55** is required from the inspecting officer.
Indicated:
**2:44**
